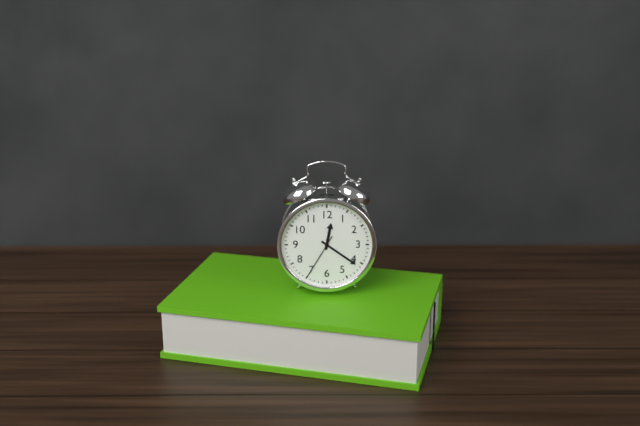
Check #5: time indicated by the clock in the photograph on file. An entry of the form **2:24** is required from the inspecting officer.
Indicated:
**12:21**
